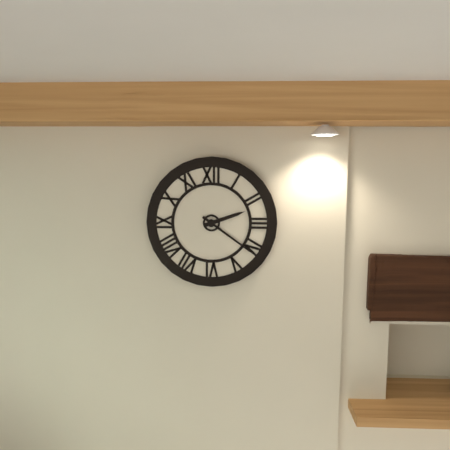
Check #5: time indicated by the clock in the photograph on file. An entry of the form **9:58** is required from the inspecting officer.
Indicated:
**2:21**
